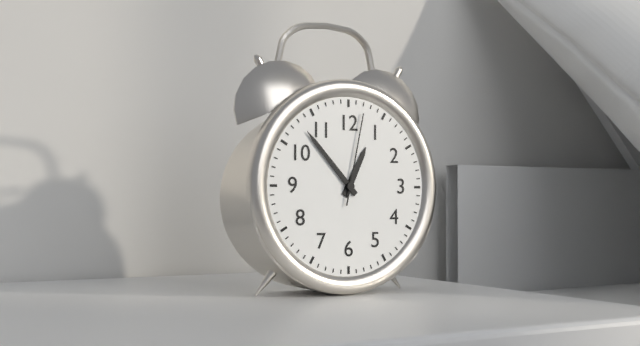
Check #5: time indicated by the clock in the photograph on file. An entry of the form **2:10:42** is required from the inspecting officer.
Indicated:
**12:53:02**
